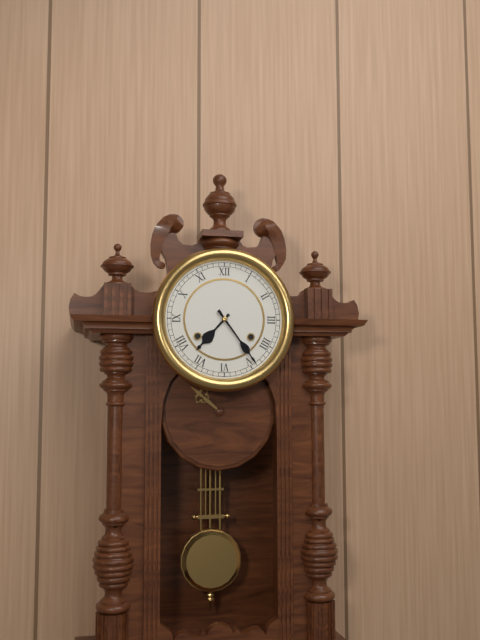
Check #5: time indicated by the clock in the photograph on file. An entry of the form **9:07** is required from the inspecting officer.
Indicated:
**7:24**
